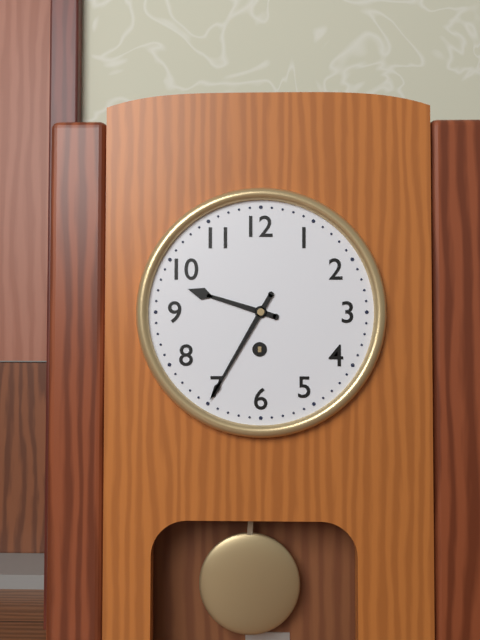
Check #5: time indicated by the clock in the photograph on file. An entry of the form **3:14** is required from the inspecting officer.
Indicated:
**9:35**
